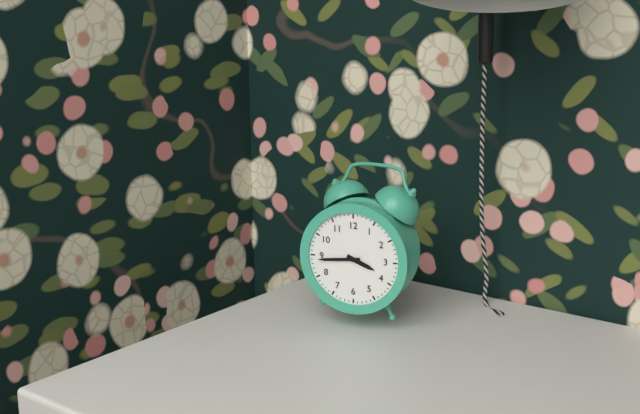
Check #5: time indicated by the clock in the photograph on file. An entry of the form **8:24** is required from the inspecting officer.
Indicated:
**3:44**
